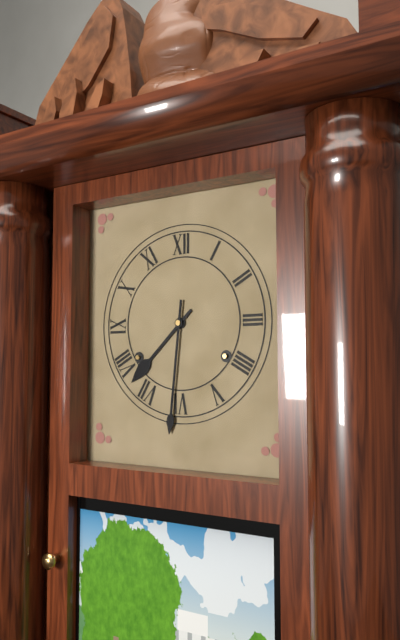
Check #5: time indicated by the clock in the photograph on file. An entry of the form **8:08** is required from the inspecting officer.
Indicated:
**7:31**
